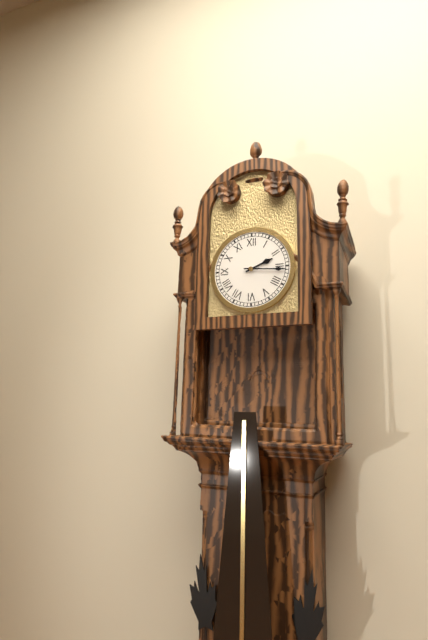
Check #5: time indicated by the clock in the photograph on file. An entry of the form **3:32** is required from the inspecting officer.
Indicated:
**2:16**
